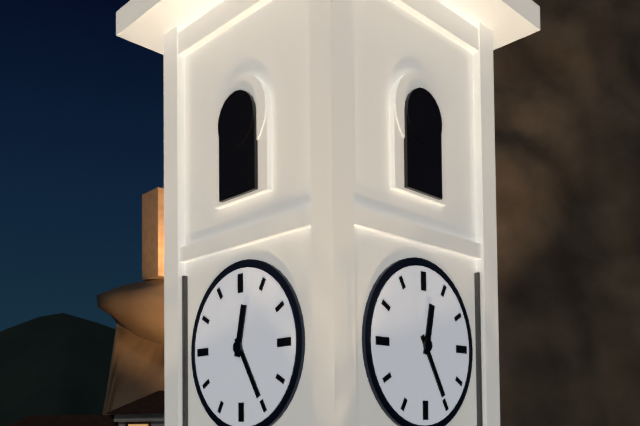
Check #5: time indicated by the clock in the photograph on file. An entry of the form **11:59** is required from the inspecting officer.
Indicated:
**12:25**
